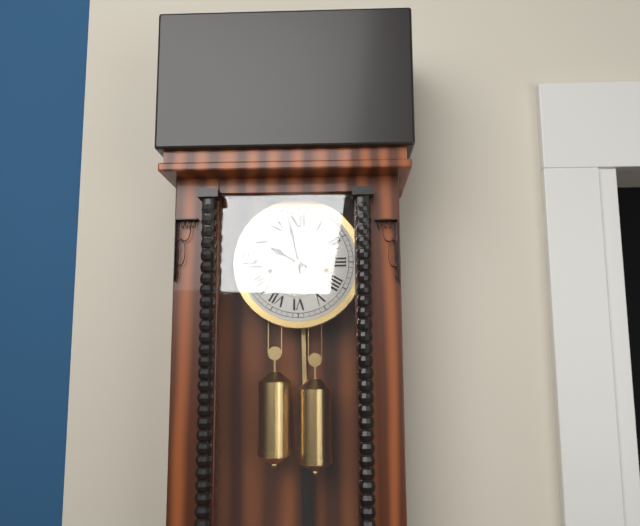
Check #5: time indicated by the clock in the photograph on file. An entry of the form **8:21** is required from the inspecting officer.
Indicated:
**9:58**
